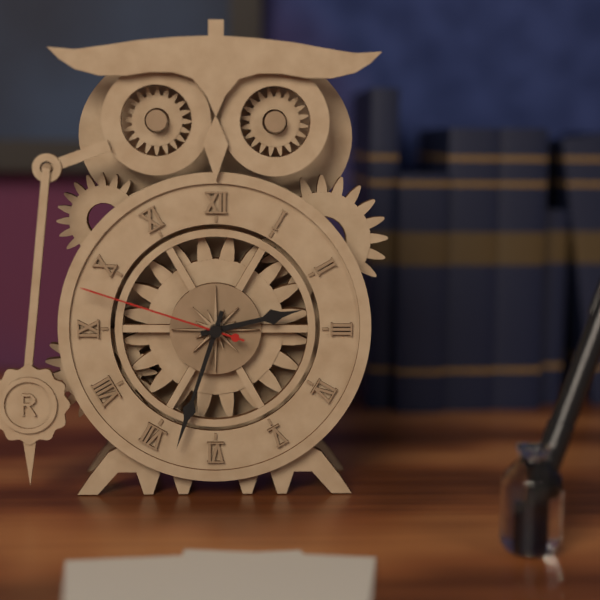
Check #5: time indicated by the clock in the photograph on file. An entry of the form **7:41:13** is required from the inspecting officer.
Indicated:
**2:33:48**
